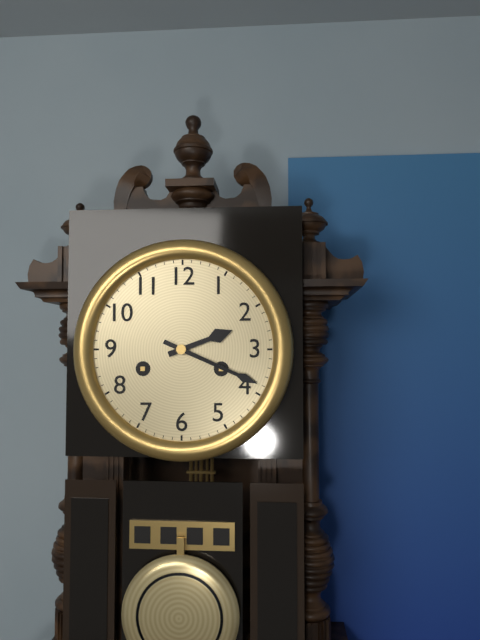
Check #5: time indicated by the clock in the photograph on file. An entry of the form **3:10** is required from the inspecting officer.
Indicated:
**2:19**
